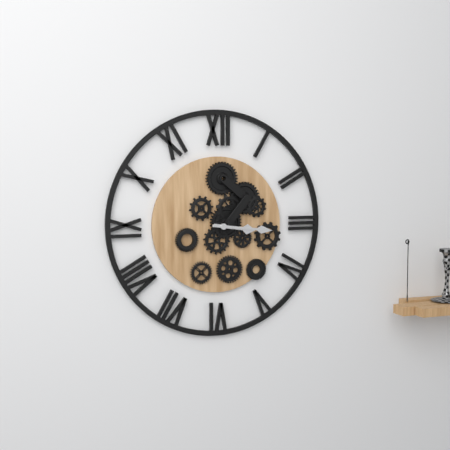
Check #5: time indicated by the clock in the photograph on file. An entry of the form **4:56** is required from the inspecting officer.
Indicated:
**3:16**
